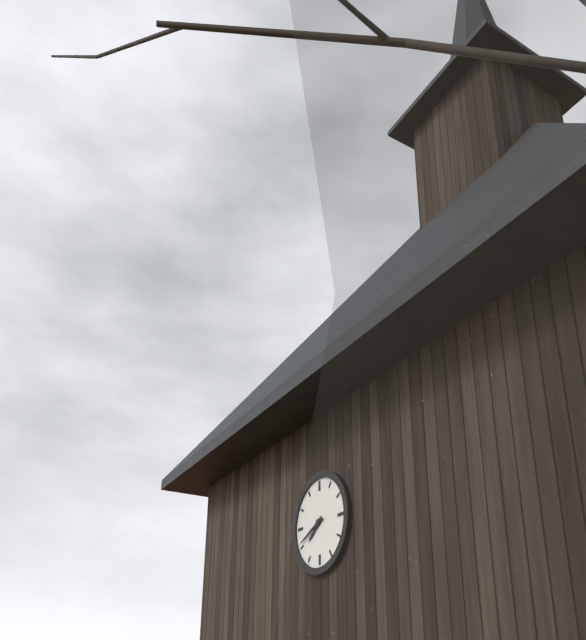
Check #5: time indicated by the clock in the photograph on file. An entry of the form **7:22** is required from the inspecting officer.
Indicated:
**7:41**
